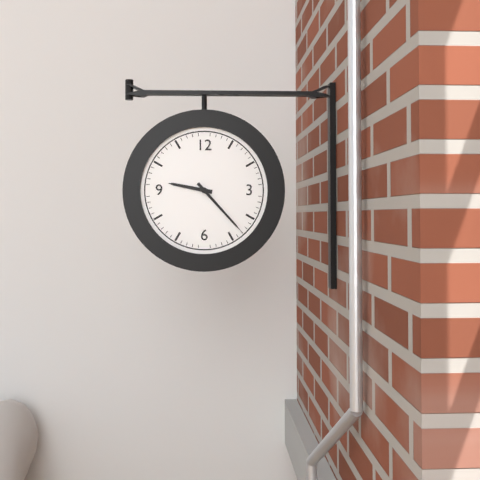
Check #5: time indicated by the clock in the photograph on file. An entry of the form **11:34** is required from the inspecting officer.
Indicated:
**9:23**
